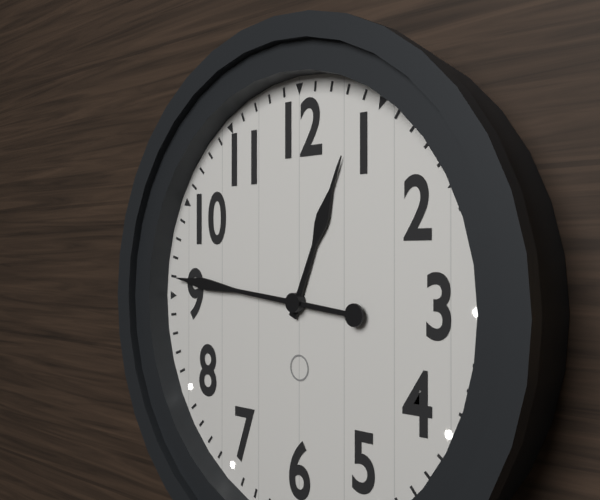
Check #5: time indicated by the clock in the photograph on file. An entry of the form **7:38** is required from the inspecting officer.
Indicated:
**12:46**
